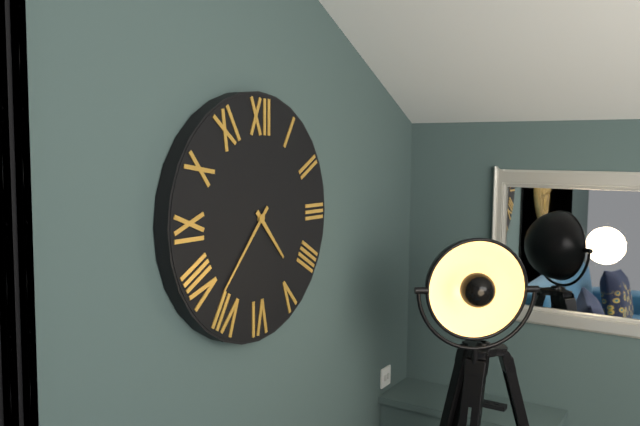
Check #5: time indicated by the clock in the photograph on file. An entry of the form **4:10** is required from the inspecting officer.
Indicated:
**4:37**
